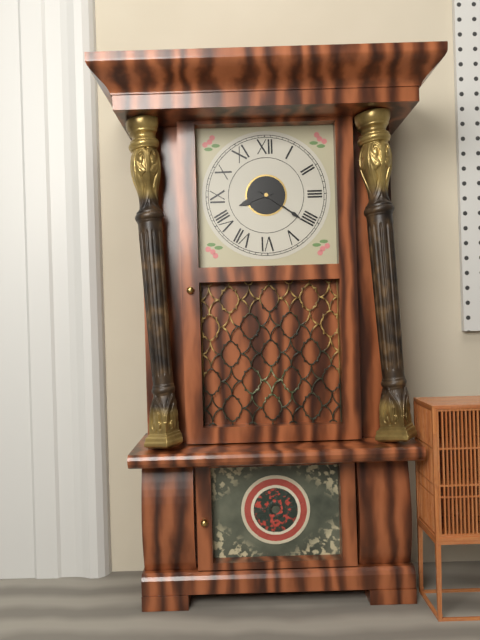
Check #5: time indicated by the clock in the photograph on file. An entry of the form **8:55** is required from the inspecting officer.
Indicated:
**8:21**
